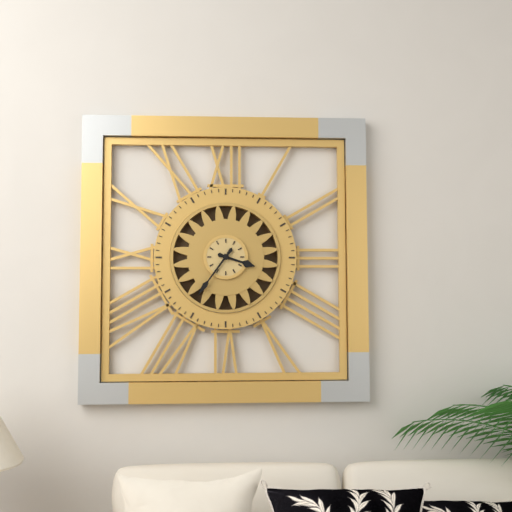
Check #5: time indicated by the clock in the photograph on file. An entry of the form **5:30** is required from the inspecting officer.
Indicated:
**3:36**
